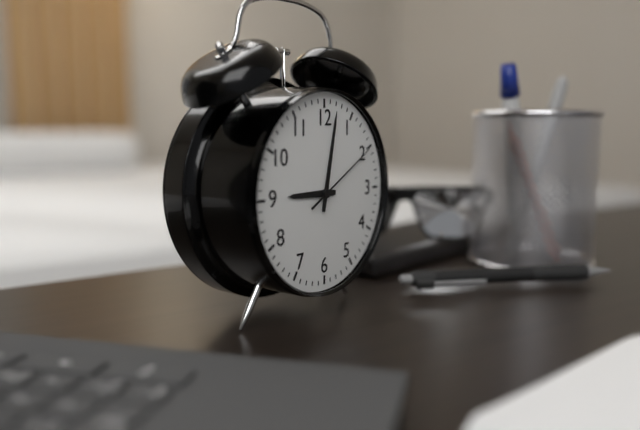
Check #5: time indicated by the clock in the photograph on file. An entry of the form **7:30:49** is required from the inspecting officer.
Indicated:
**9:02:10**
